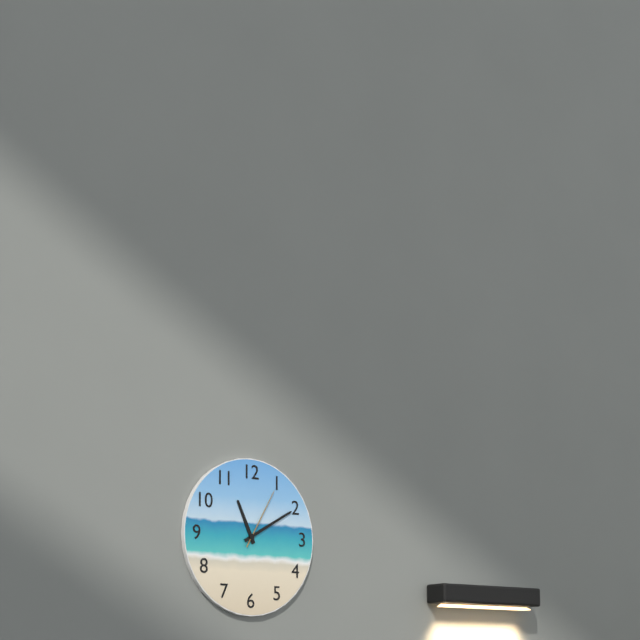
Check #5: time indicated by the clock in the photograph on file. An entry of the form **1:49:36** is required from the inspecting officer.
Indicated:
**11:10:05**
